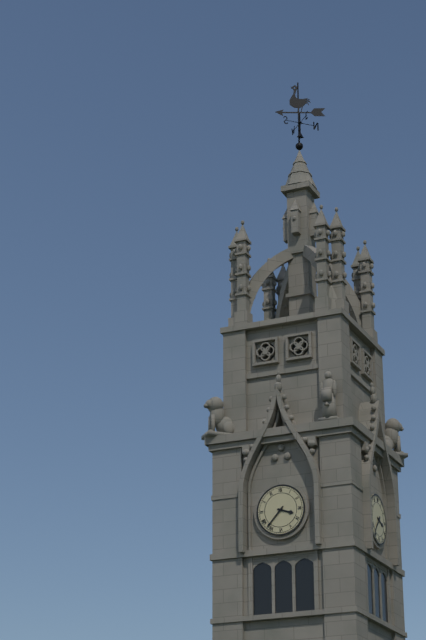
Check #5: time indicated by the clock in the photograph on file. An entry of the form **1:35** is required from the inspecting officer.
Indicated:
**3:37**
